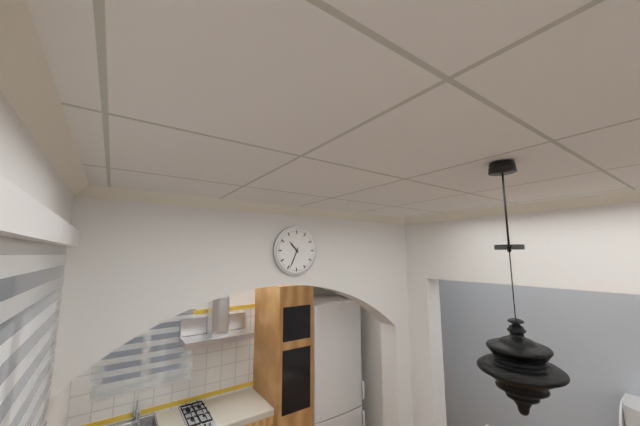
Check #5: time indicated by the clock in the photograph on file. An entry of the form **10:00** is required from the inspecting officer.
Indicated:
**10:34**
